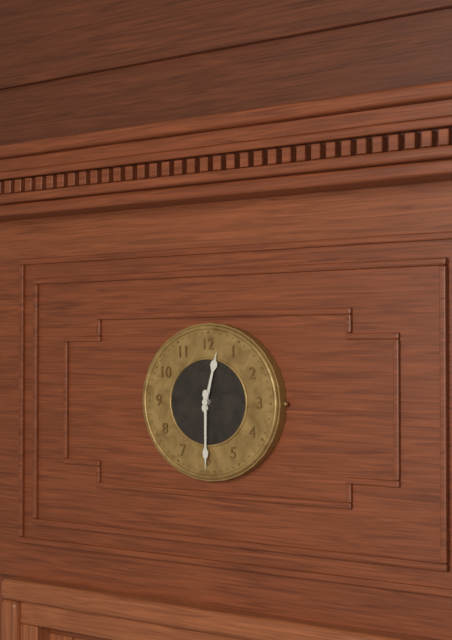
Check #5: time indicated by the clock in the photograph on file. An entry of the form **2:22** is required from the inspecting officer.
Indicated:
**12:30**
